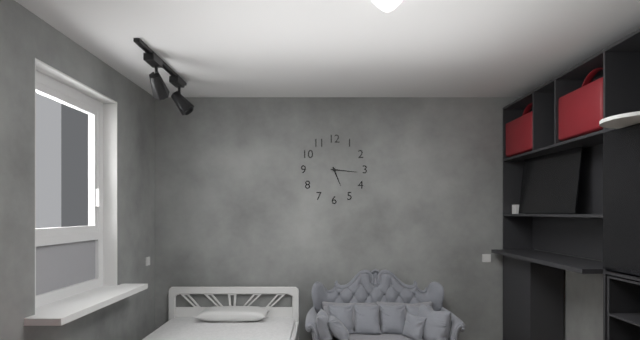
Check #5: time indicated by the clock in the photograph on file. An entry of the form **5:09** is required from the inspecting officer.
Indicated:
**5:16**
